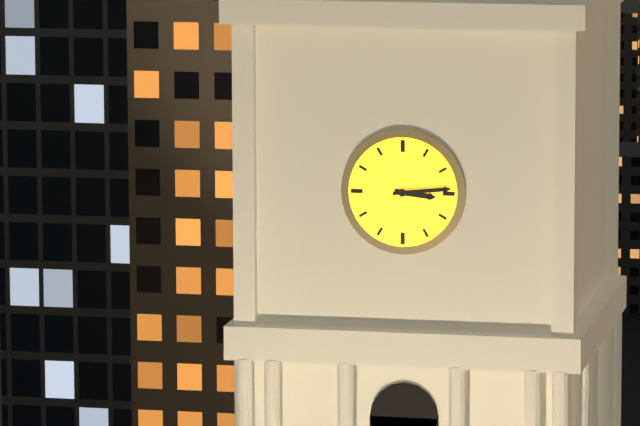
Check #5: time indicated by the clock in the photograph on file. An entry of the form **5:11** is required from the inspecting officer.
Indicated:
**3:14**
